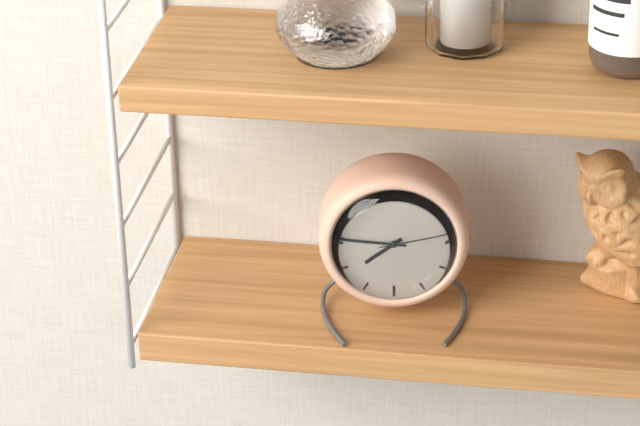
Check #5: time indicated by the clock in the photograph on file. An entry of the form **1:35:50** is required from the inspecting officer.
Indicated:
**7:46:13**
